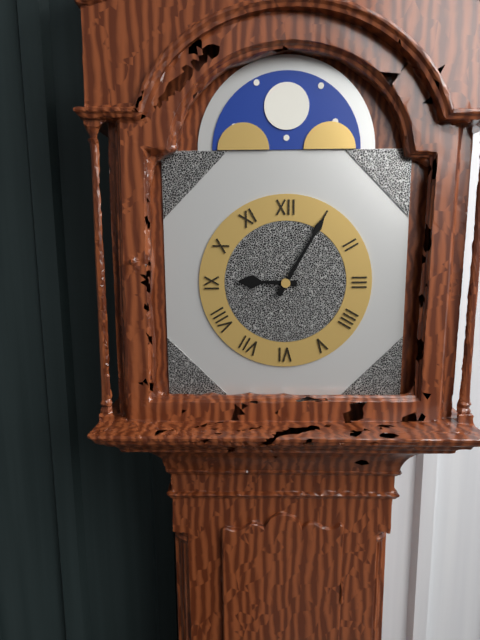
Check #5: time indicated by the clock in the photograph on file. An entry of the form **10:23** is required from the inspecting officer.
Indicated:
**9:05**
